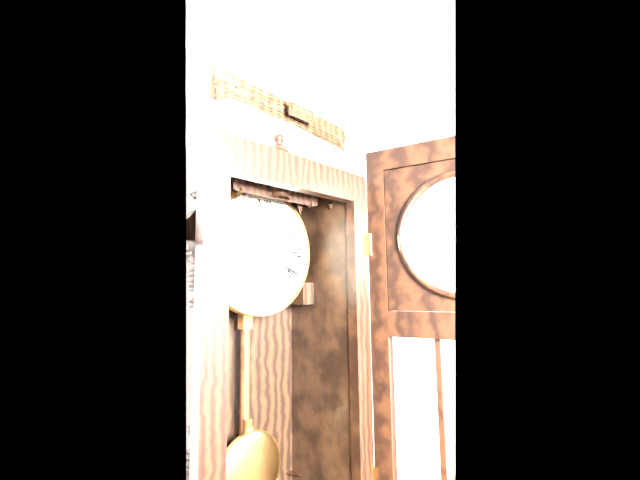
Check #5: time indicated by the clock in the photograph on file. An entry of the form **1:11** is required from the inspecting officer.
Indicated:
**6:20**
